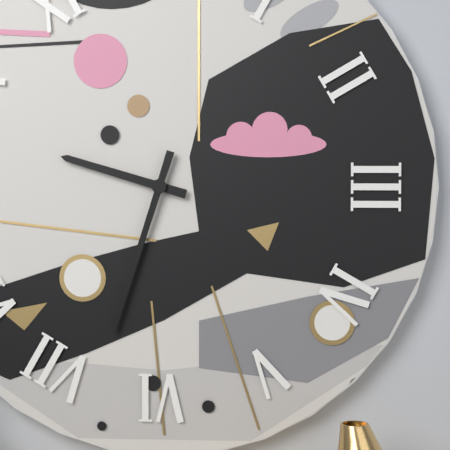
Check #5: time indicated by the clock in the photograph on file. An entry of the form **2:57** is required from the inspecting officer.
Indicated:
**9:33**
